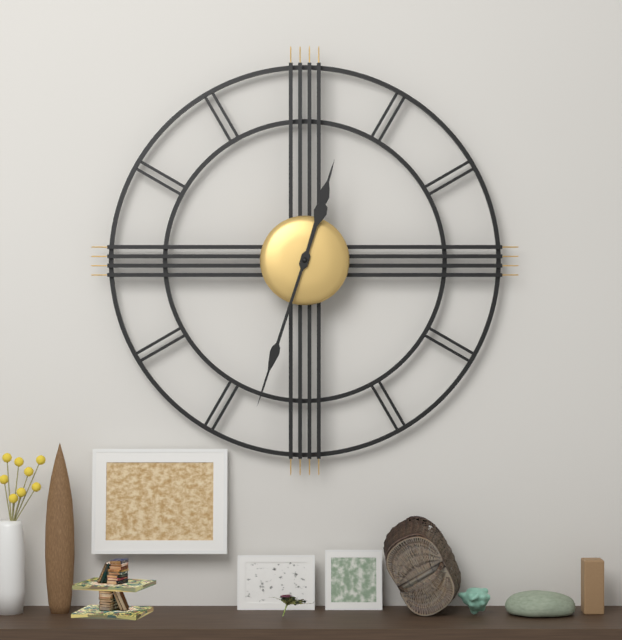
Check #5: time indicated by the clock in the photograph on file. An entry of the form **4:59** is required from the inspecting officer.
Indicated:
**12:33**
